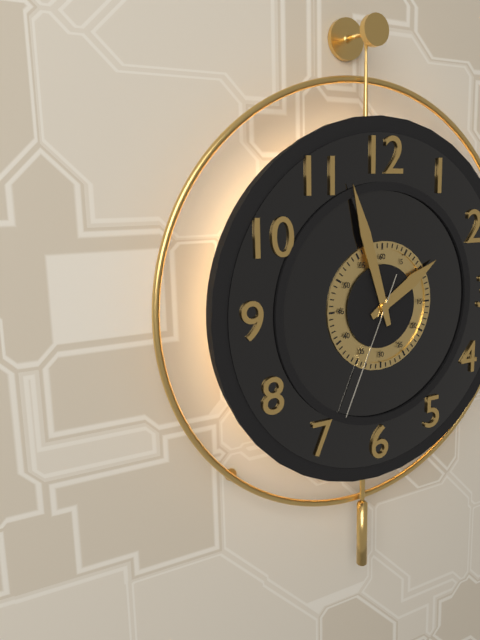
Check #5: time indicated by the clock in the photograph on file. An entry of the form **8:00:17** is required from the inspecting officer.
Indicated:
**1:57:34**
